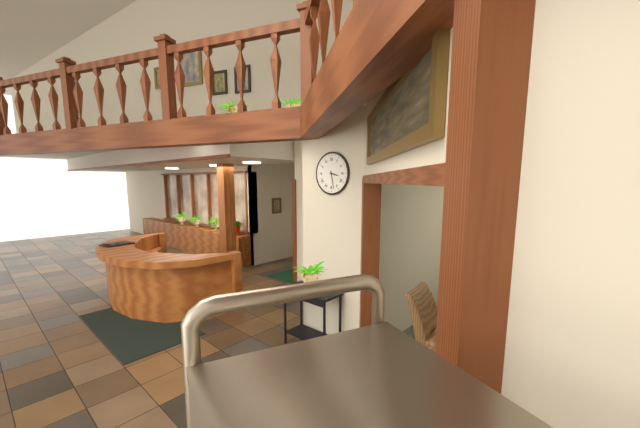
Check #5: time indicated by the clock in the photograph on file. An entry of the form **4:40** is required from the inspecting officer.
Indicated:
**3:28**
